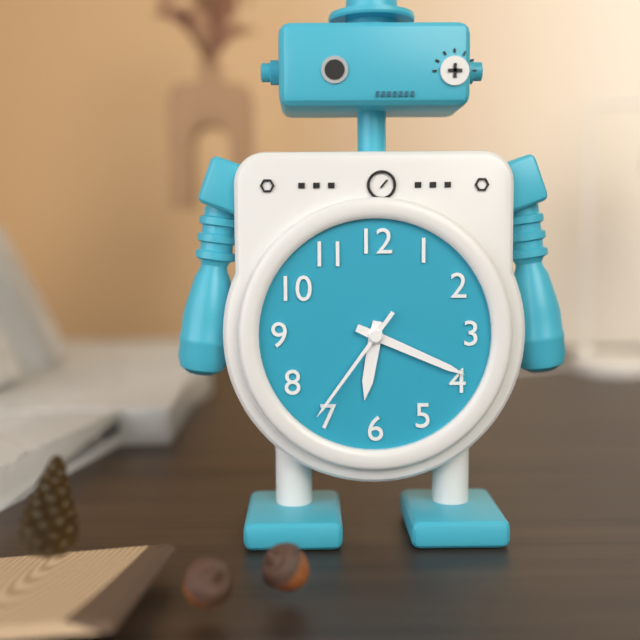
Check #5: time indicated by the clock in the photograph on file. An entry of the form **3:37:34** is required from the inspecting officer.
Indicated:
**6:19:36**
